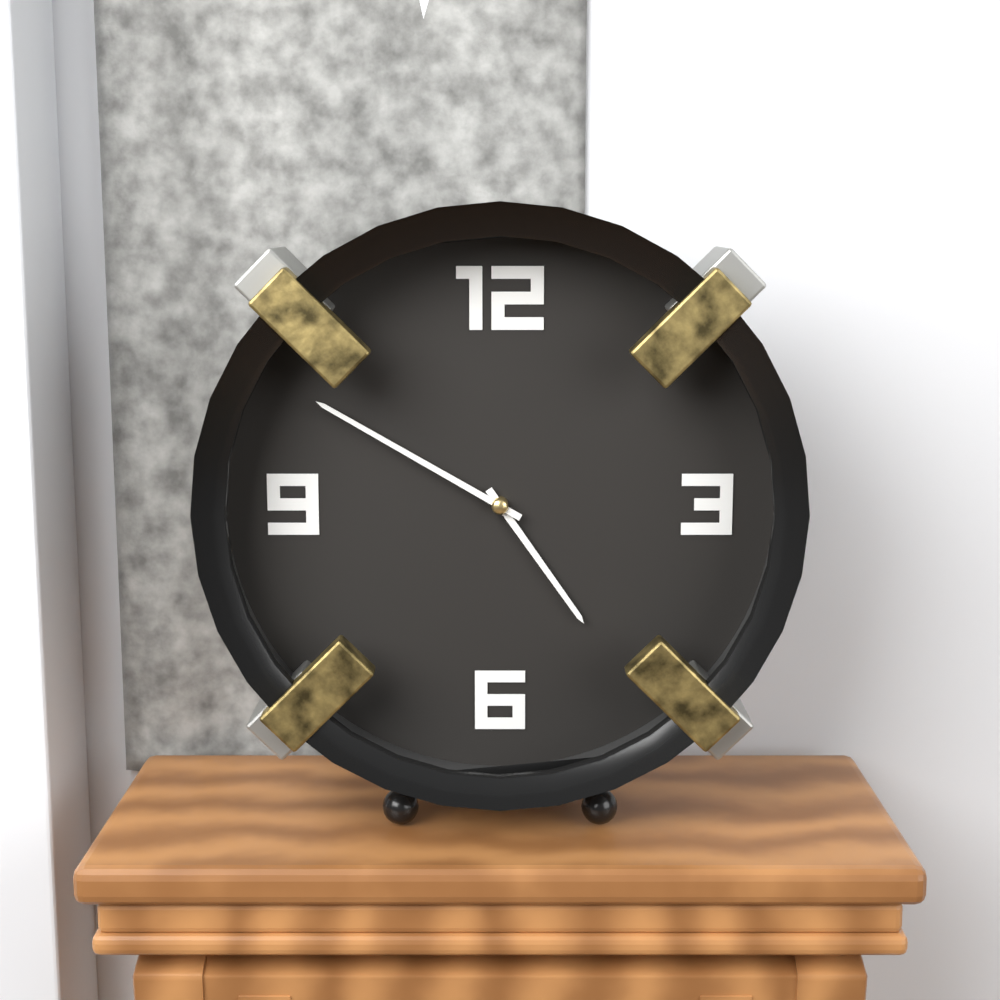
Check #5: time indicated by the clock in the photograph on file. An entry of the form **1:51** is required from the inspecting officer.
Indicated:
**4:50**
